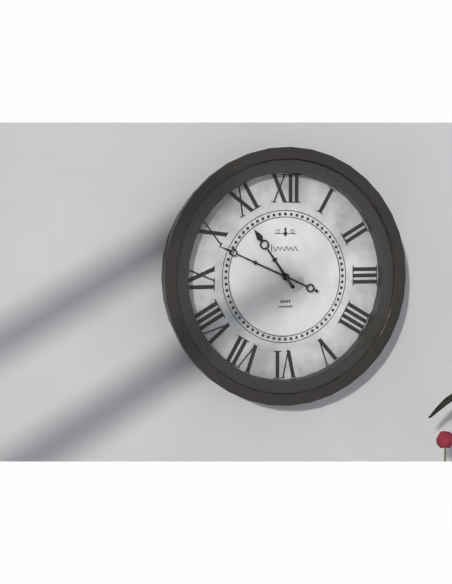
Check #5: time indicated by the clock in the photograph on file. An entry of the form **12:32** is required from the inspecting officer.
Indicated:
**10:49**
